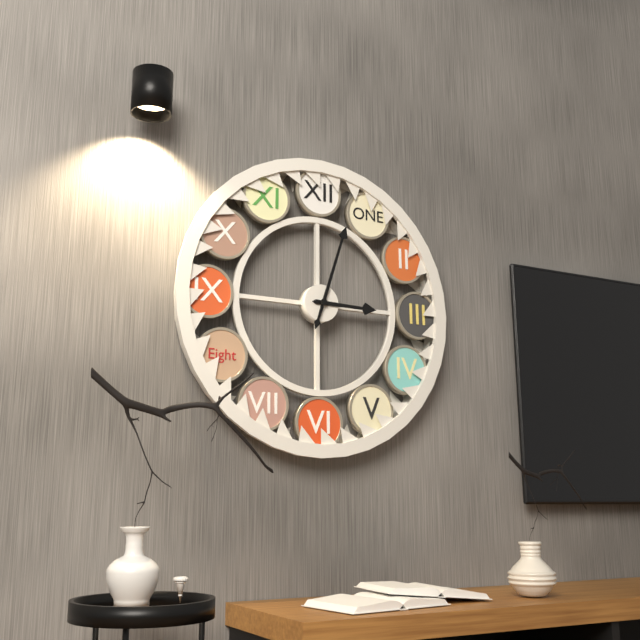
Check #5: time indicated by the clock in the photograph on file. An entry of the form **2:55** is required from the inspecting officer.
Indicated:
**3:03**
